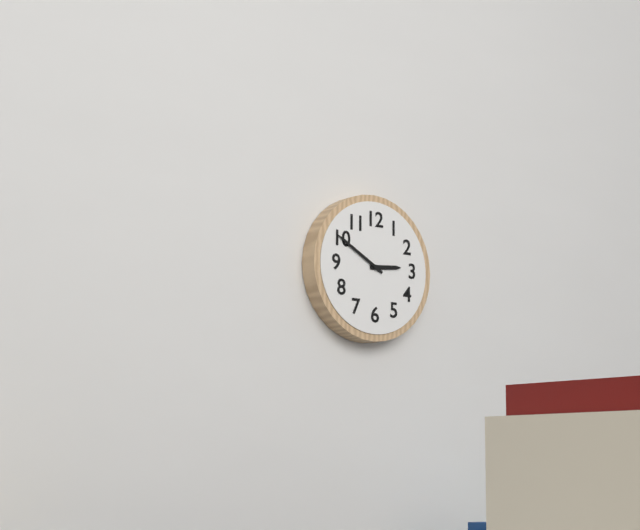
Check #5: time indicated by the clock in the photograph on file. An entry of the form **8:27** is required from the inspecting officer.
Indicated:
**2:50**
